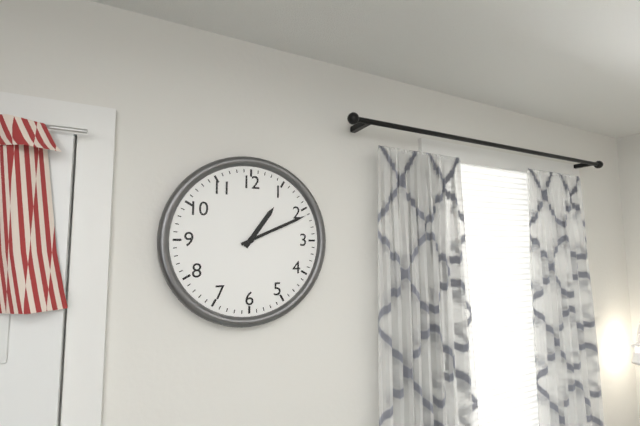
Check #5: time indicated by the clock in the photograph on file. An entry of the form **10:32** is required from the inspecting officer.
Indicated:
**1:11**
